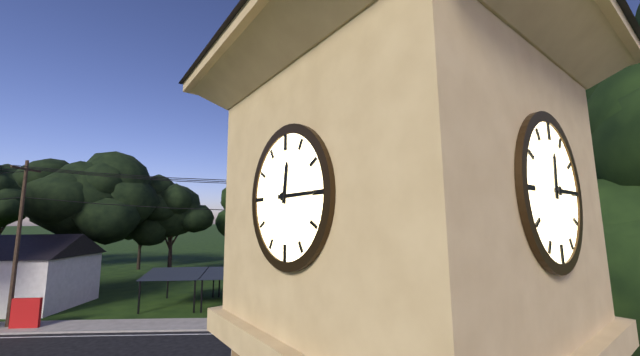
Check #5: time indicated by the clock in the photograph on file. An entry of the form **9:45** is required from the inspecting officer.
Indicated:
**12:15**
